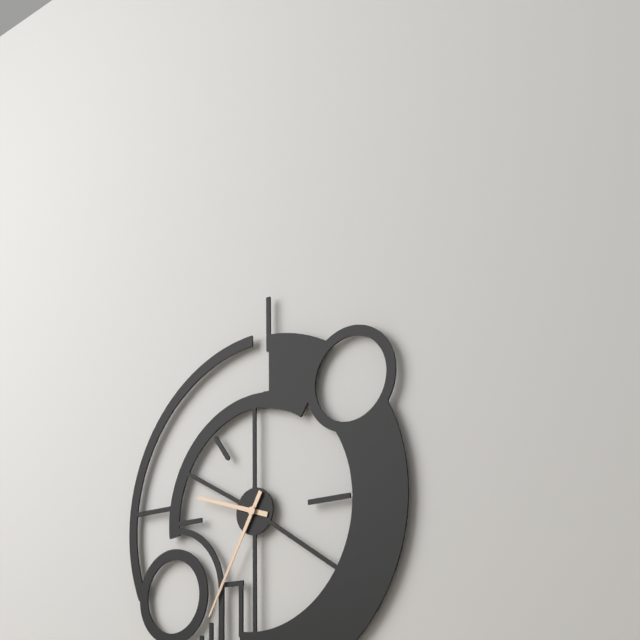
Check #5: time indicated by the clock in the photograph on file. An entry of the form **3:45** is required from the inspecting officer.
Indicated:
**9:35**
